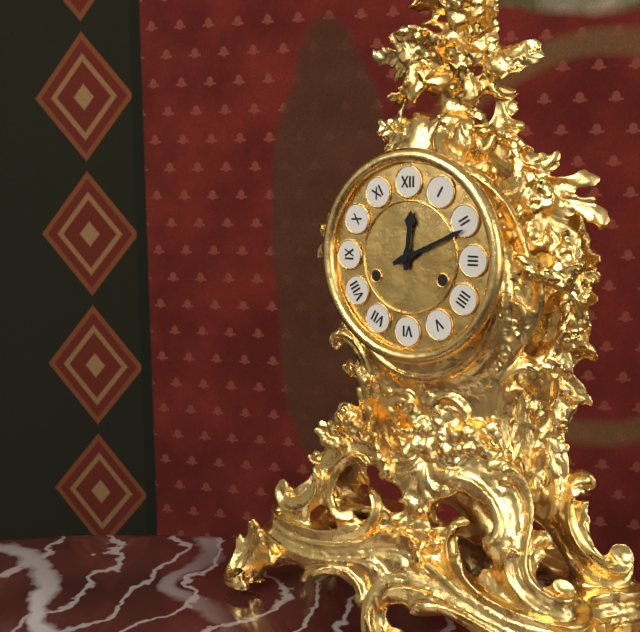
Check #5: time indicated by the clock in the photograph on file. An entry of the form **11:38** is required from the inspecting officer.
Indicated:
**12:11**
